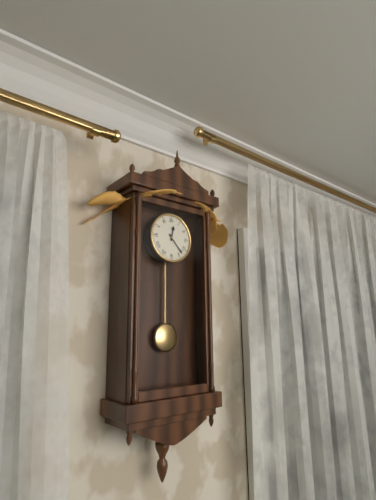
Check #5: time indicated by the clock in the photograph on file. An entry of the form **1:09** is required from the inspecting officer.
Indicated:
**12:23**
